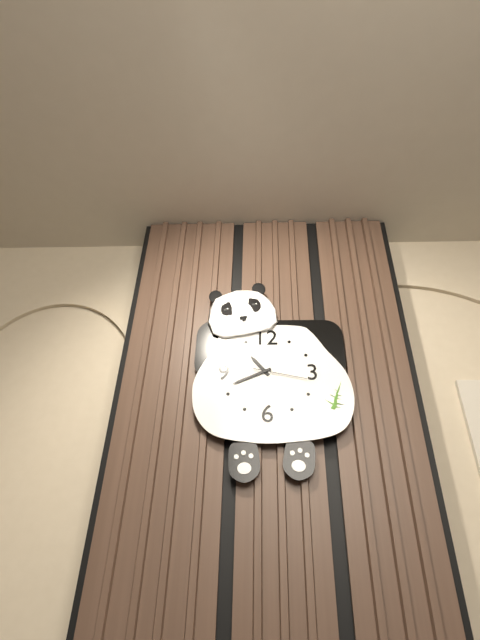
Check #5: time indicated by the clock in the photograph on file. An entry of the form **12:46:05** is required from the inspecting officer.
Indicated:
**10:41:17**
